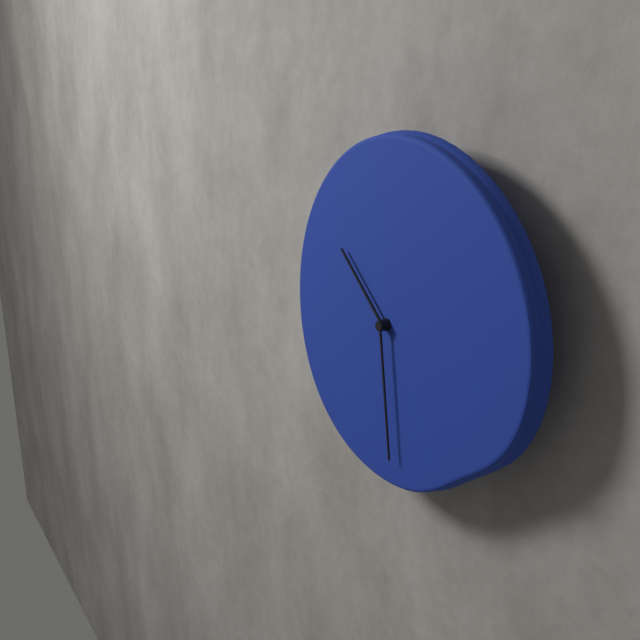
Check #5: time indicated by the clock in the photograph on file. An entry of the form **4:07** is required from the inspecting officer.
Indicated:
**10:29**
